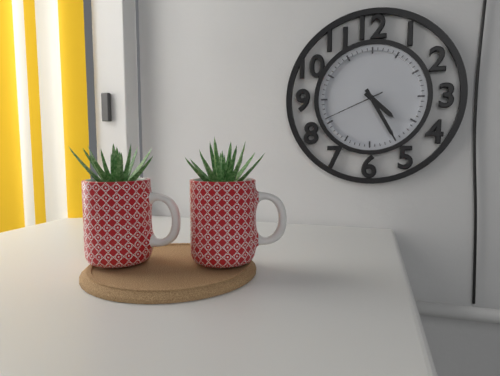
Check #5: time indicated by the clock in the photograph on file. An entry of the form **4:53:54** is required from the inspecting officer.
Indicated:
**4:25:41**
